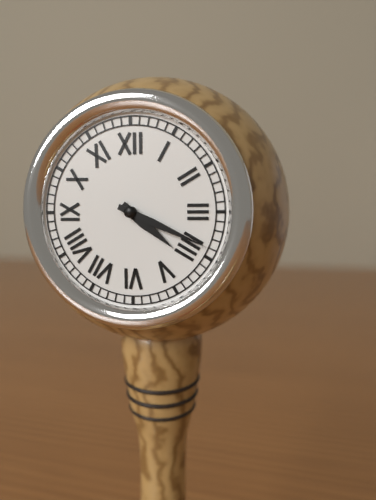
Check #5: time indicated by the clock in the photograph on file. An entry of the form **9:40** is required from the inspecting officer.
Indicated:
**4:19**
